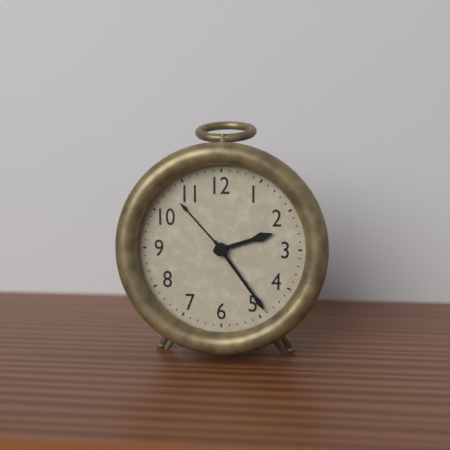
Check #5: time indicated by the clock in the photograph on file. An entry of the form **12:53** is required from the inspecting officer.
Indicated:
**2:24**
